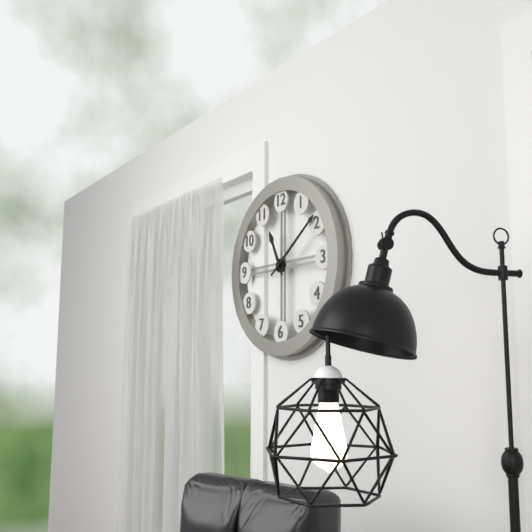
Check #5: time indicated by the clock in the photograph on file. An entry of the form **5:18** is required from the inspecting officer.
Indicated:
**11:09**
